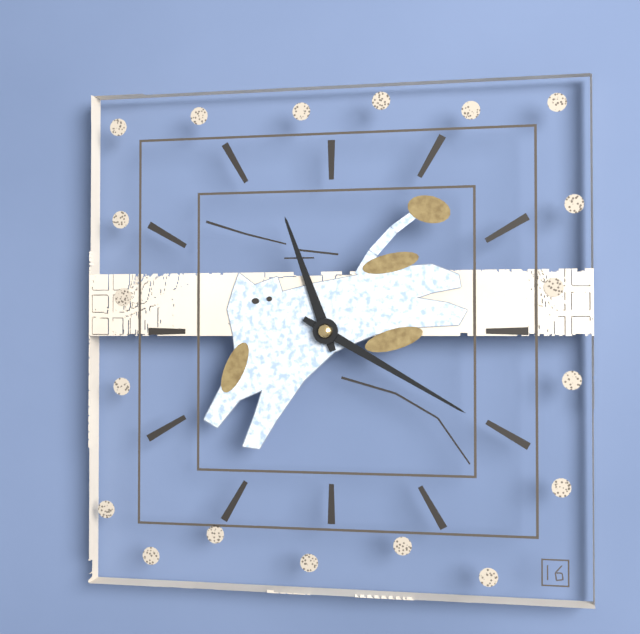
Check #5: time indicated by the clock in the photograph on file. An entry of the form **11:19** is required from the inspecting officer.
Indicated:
**11:20**
